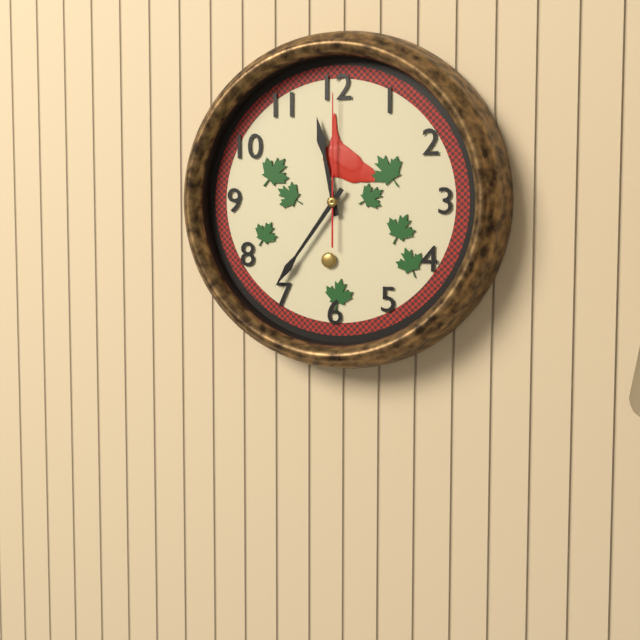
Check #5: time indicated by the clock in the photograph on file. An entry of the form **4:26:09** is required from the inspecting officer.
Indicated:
**11:36:00**
